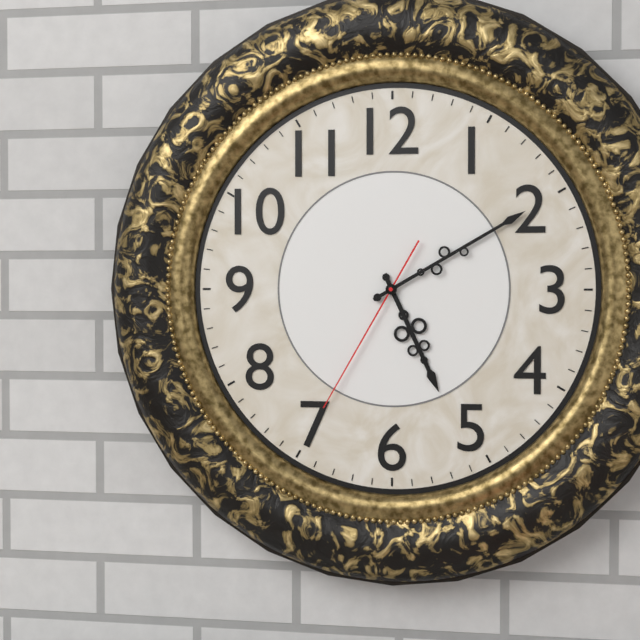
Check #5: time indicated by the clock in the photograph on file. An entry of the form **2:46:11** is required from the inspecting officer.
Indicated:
**5:10:35**
